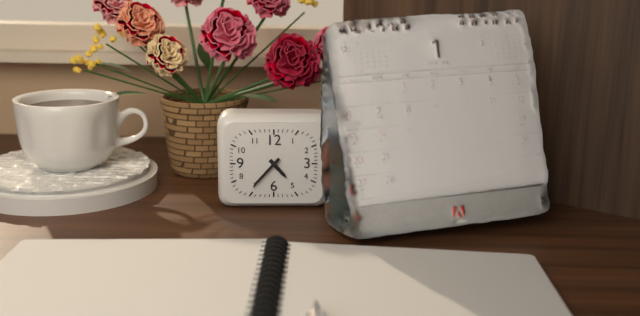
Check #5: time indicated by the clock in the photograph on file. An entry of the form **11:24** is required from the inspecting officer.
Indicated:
**4:37**
